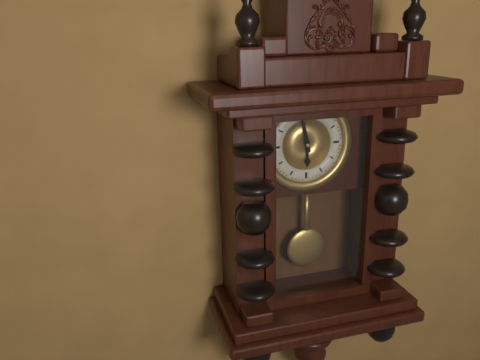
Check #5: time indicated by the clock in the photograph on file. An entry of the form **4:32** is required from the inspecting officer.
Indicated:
**5:58**
